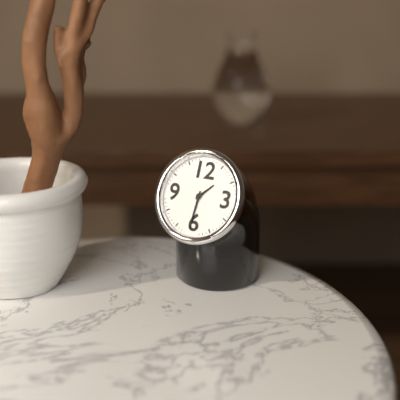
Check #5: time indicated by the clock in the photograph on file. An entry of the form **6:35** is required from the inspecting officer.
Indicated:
**1:31**
